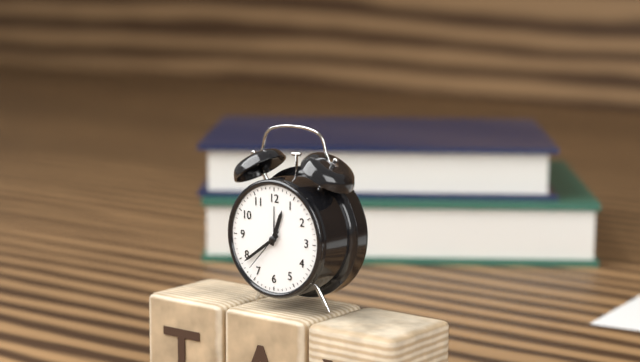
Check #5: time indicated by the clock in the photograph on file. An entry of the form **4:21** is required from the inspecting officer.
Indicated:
**12:39**
